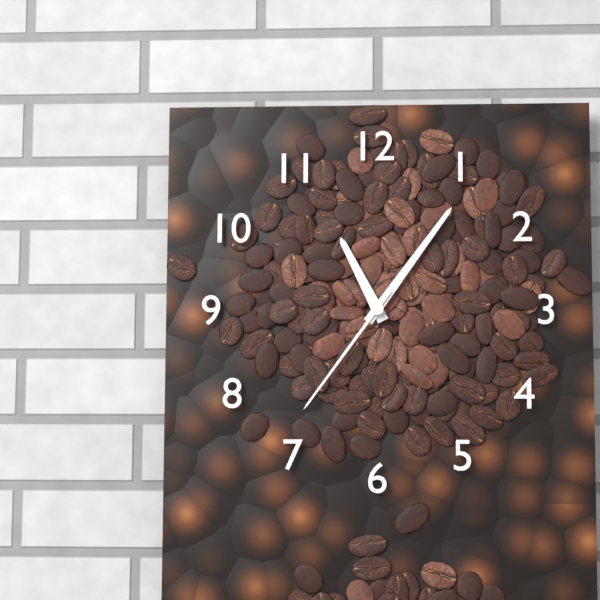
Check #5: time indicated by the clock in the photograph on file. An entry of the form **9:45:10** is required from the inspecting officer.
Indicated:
**11:06:36**
